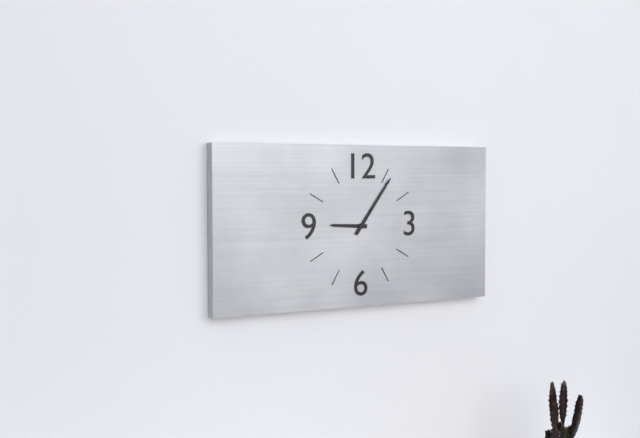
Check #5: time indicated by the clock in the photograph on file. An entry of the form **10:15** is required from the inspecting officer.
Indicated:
**9:06**
